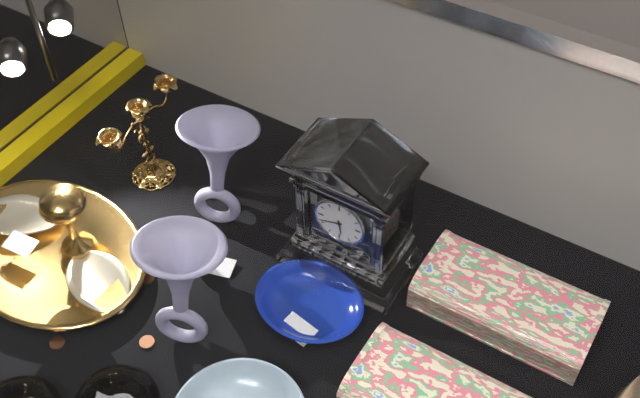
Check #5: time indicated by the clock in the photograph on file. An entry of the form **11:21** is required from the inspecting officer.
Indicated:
**5:42**
